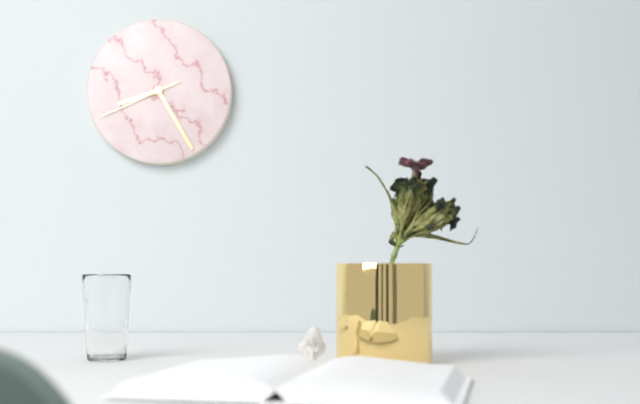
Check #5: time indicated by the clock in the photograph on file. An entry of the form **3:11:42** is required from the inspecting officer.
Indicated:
**8:25:41**
